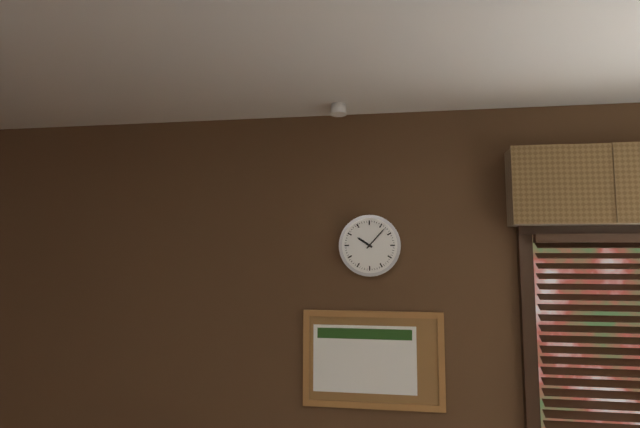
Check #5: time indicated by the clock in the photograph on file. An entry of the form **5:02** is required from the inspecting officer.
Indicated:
**10:07**
